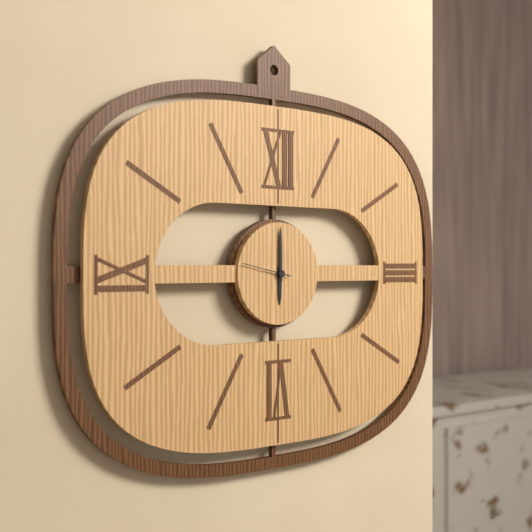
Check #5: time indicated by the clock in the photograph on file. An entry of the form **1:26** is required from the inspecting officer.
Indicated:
**6:00**
